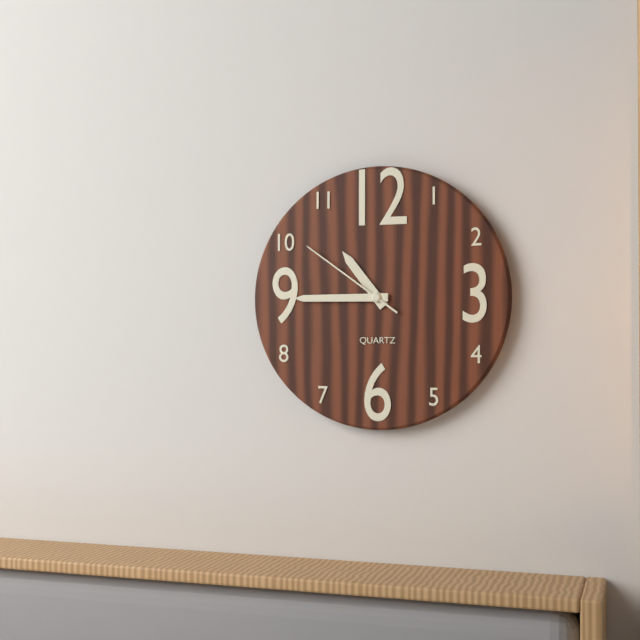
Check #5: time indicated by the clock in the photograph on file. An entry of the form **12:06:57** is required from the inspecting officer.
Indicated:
**10:45:51**
